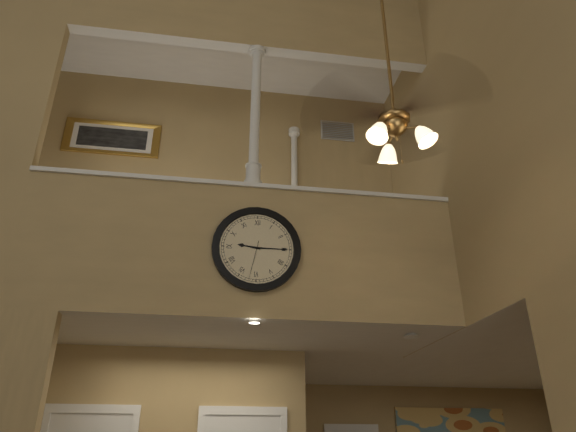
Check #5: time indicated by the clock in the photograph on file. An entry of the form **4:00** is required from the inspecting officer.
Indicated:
**9:15**
